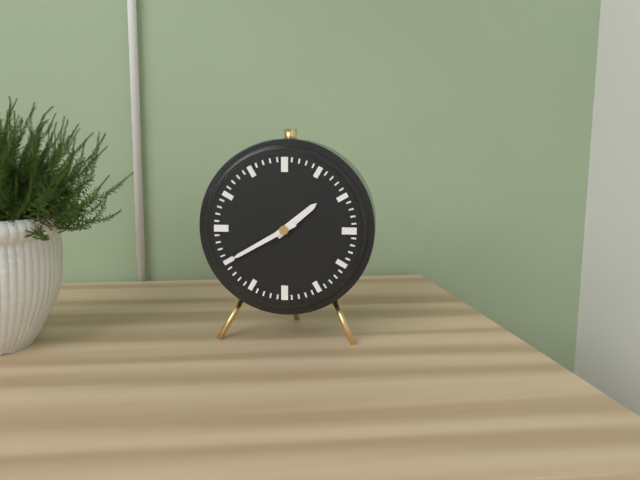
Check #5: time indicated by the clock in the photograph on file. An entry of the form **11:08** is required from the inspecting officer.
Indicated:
**1:40**
